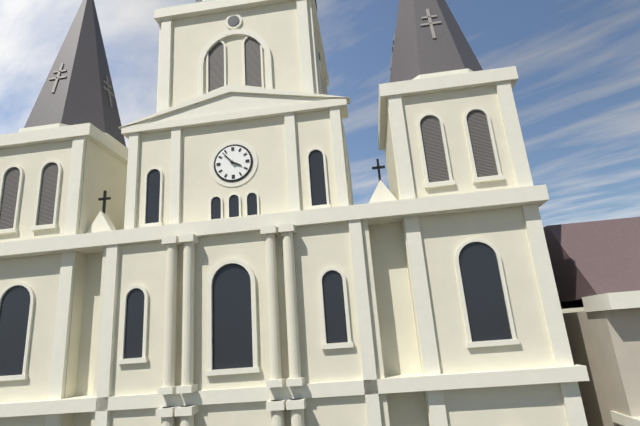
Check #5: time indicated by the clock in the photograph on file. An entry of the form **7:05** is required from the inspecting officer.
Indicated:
**3:53**
